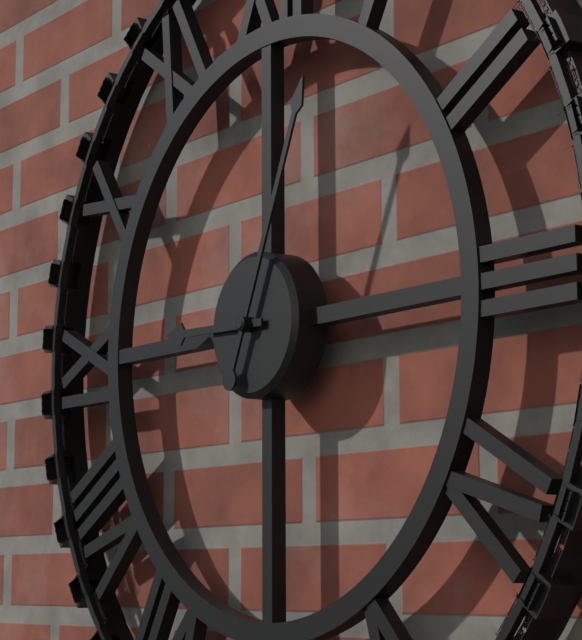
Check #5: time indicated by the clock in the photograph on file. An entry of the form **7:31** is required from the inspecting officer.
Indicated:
**9:04**
